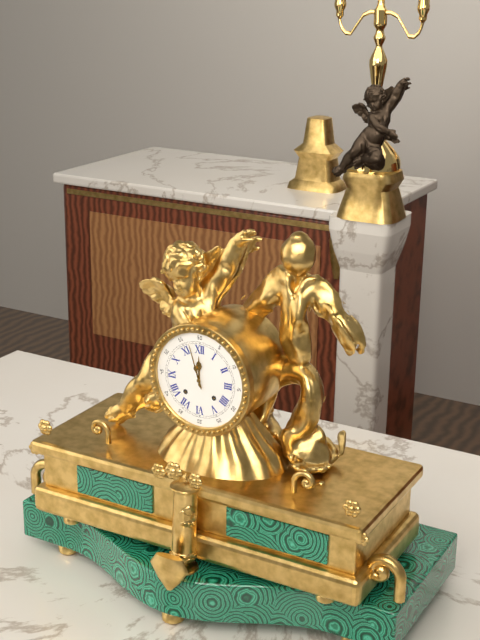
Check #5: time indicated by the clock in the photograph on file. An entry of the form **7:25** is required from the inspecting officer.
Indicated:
**11:57**
